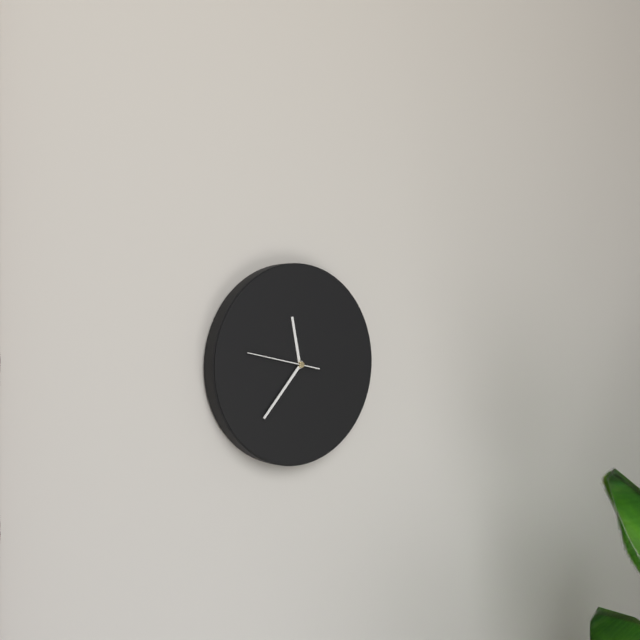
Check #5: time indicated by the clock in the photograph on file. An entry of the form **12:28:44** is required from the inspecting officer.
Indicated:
**11:37:47**
